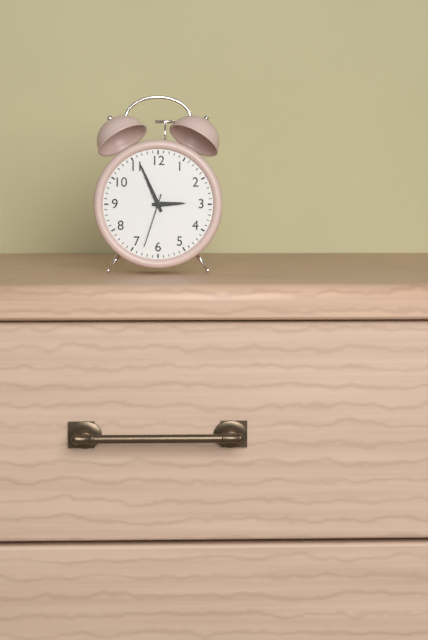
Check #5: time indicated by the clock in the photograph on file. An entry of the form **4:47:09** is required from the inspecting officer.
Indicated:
**2:56:33**
